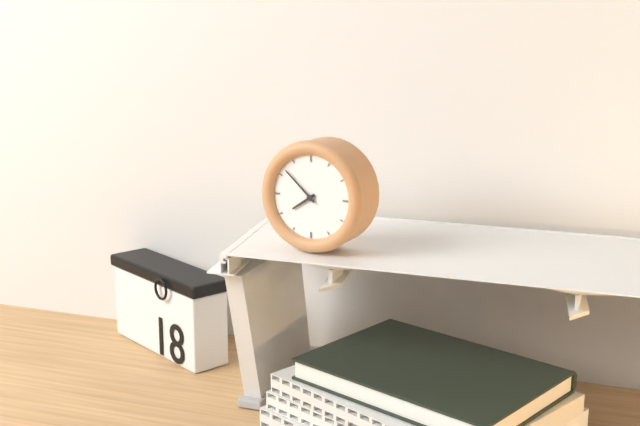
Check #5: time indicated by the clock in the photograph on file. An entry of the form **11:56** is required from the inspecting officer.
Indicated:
**7:52**
